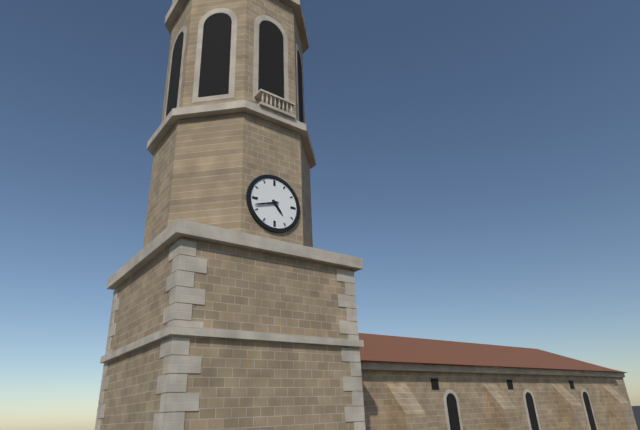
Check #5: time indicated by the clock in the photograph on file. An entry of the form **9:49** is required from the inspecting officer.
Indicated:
**4:42**
